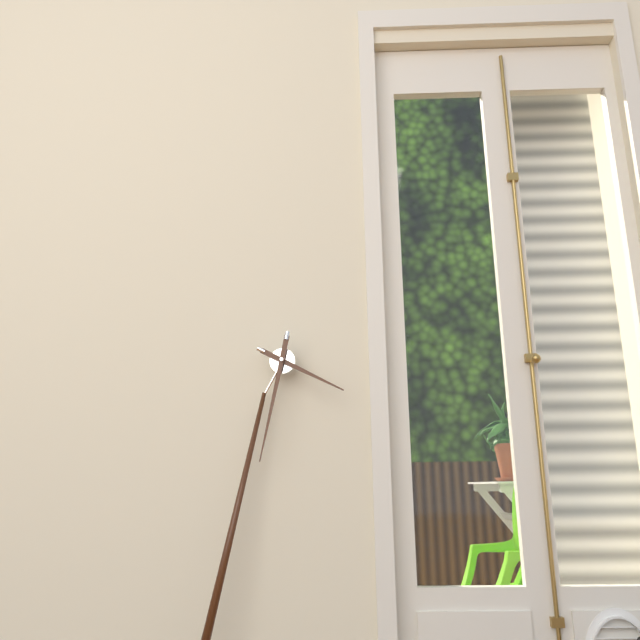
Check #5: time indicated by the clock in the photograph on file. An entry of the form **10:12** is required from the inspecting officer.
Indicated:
**3:30**
